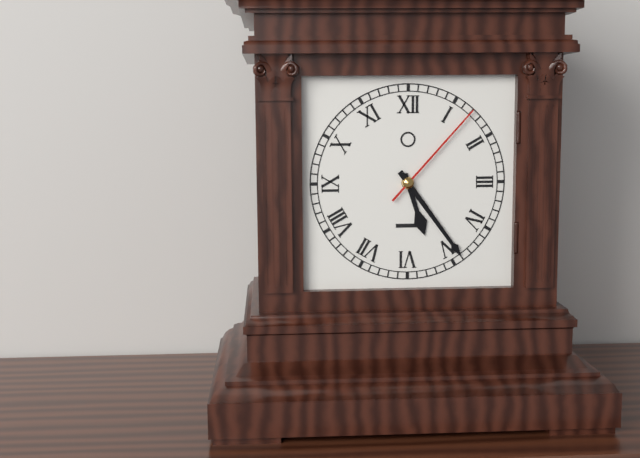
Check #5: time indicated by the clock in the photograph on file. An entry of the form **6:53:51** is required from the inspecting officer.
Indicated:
**5:24:07**
